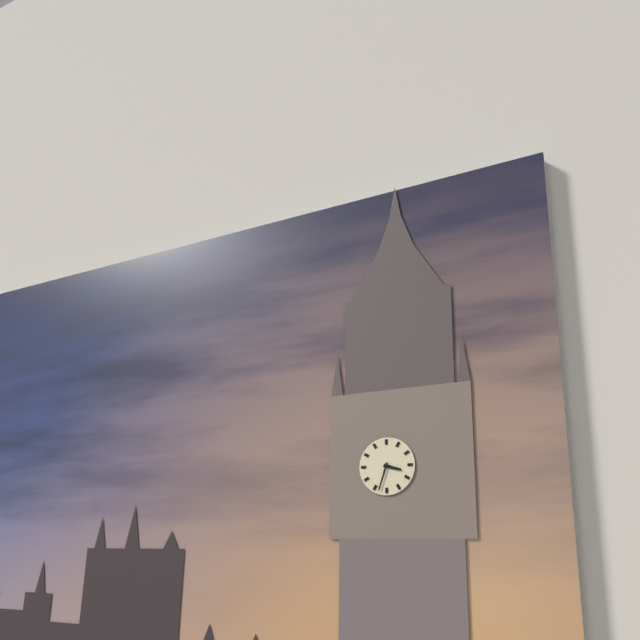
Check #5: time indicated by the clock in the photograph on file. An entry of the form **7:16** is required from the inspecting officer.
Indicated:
**3:33**
